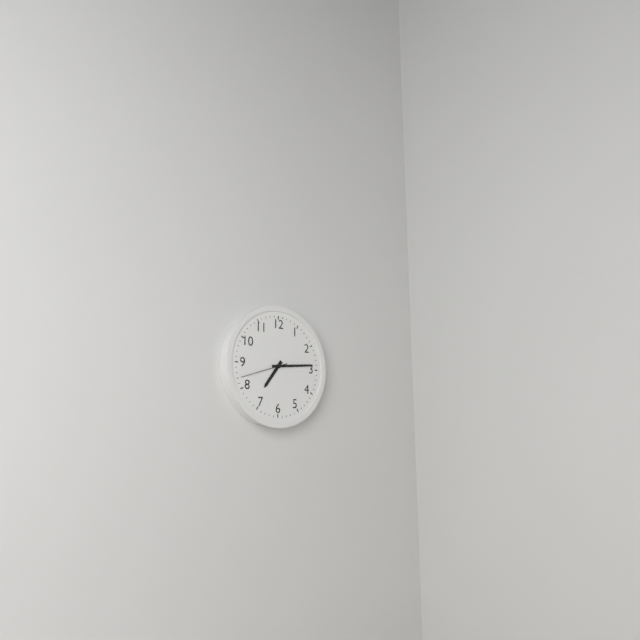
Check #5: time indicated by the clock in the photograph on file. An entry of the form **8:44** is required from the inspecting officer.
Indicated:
**7:14**
